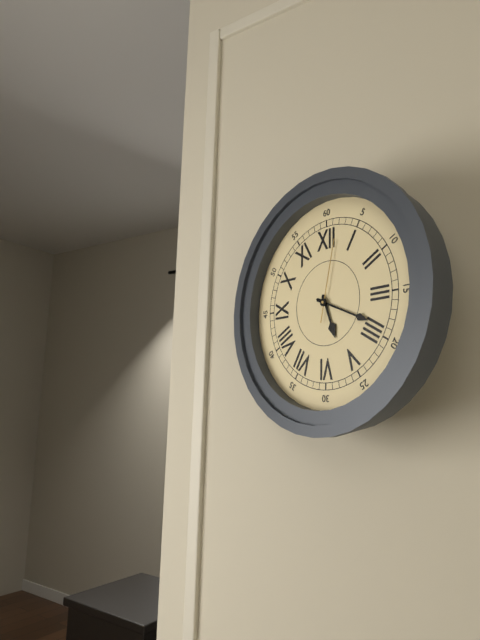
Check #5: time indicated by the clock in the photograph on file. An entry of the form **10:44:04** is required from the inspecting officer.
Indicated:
**5:19:02**
